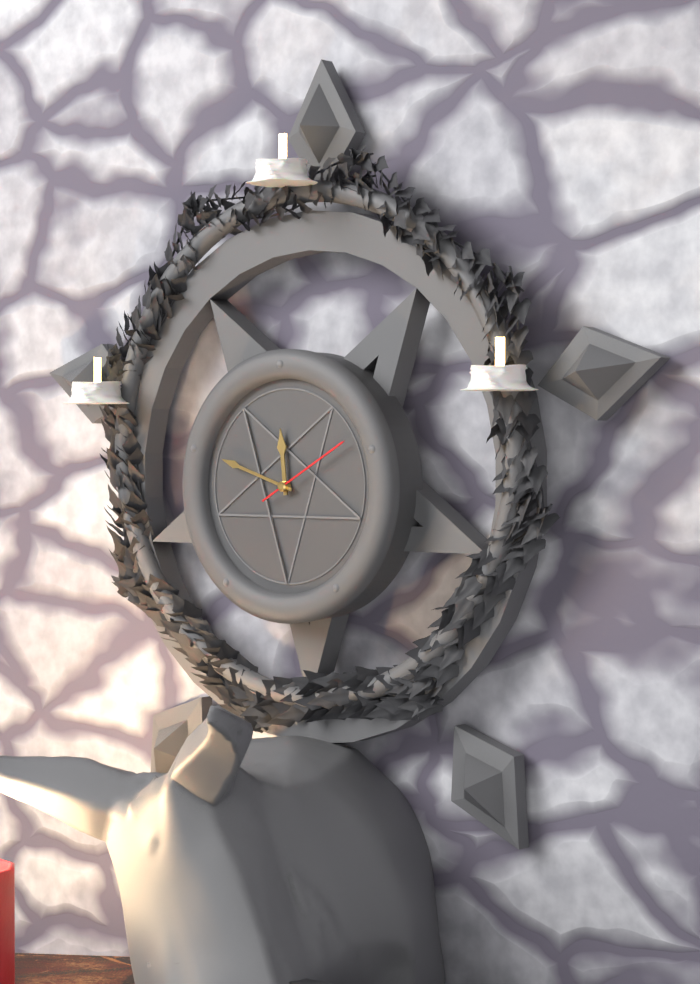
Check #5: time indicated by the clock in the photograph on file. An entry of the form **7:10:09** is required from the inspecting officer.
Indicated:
**11:48:10**
